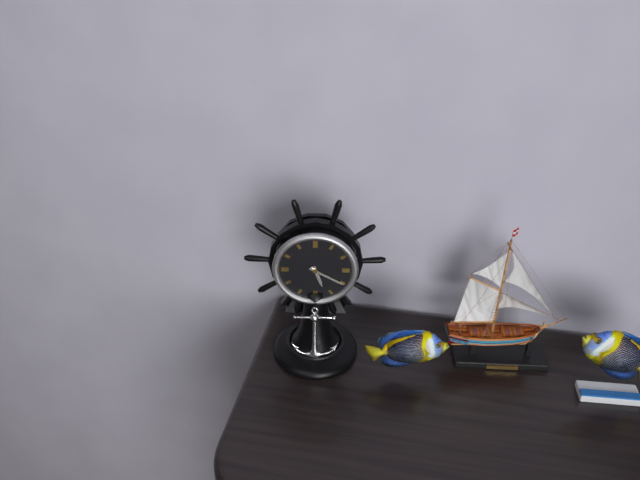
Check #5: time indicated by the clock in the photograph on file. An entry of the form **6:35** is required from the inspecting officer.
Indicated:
**5:20**
